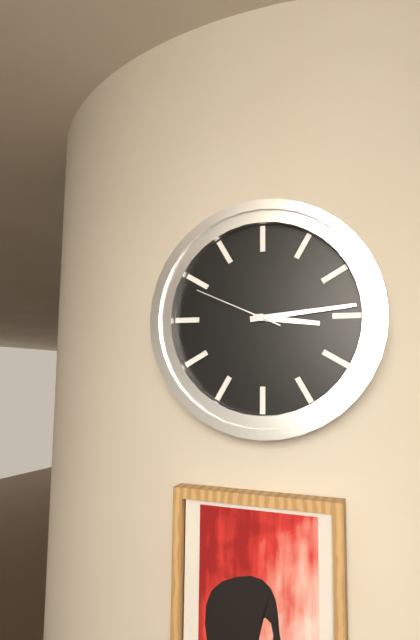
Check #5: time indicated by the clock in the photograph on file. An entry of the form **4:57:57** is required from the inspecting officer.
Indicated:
**3:14:49**
